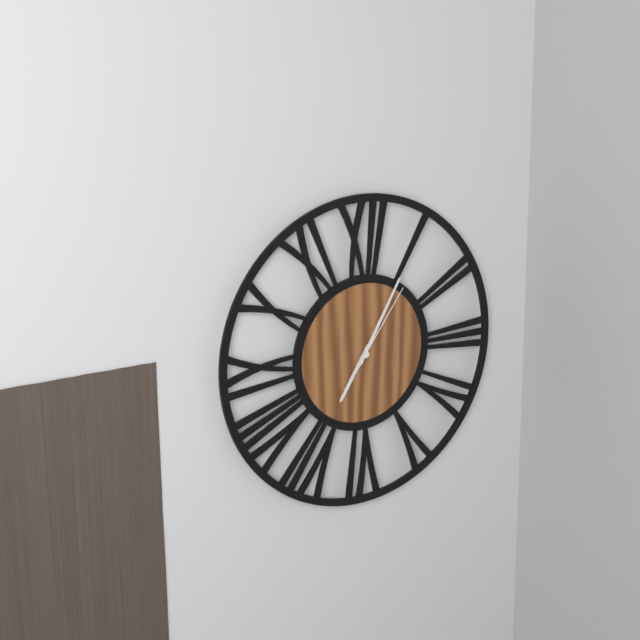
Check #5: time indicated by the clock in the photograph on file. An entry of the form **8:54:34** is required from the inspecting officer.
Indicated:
**7:05:06**
